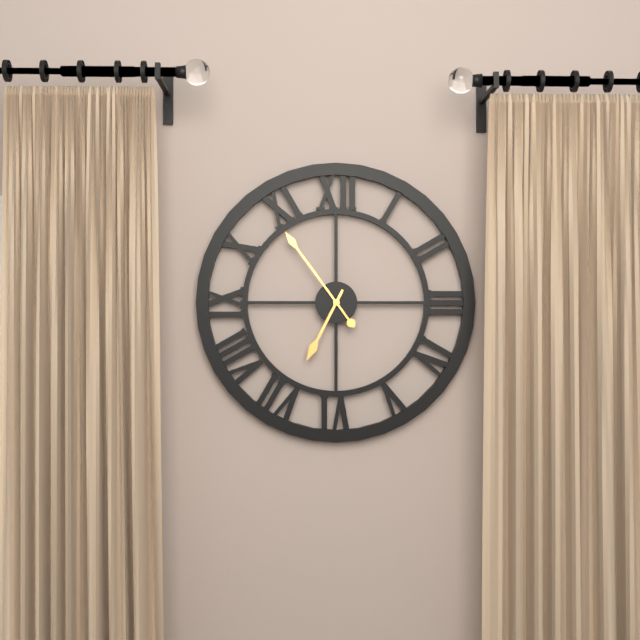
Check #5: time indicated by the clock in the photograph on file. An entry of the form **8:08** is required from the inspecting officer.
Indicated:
**6:54**
